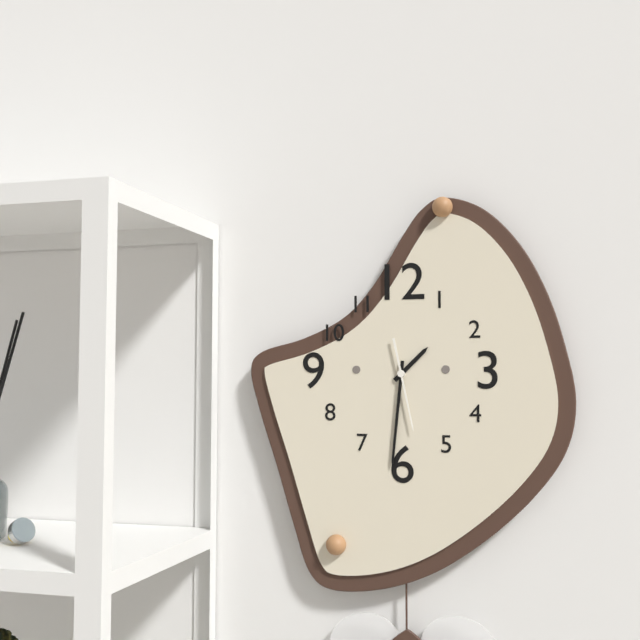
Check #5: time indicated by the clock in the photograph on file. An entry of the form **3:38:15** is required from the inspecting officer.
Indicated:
**1:31:28**
